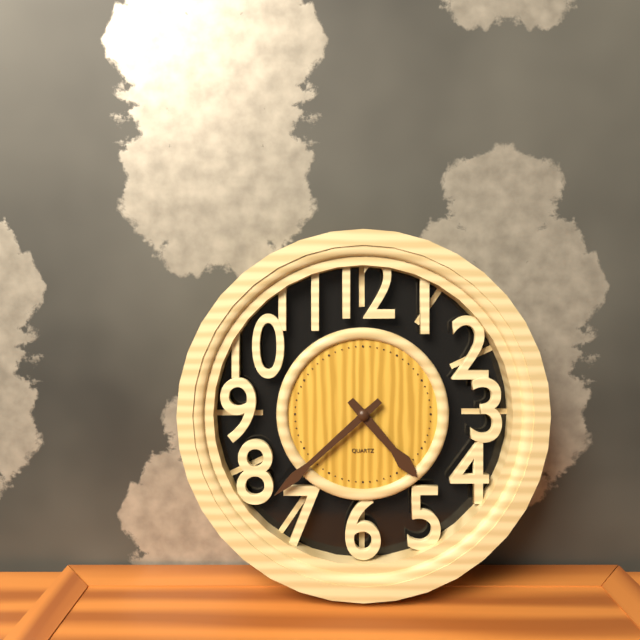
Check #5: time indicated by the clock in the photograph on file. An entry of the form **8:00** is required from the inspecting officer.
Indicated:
**4:38**
